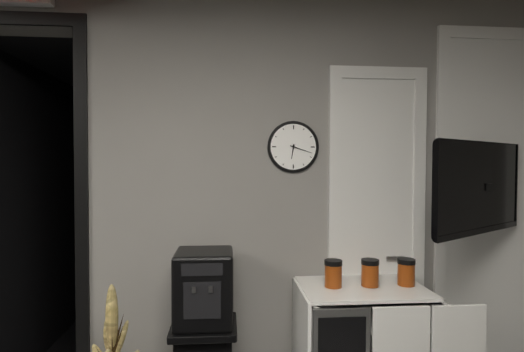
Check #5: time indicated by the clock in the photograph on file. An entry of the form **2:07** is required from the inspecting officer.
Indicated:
**6:18**
